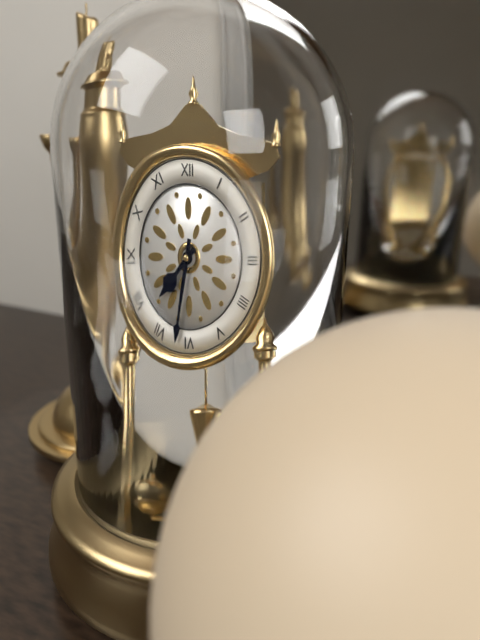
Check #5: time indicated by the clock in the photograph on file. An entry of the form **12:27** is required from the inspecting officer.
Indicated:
**7:32**
